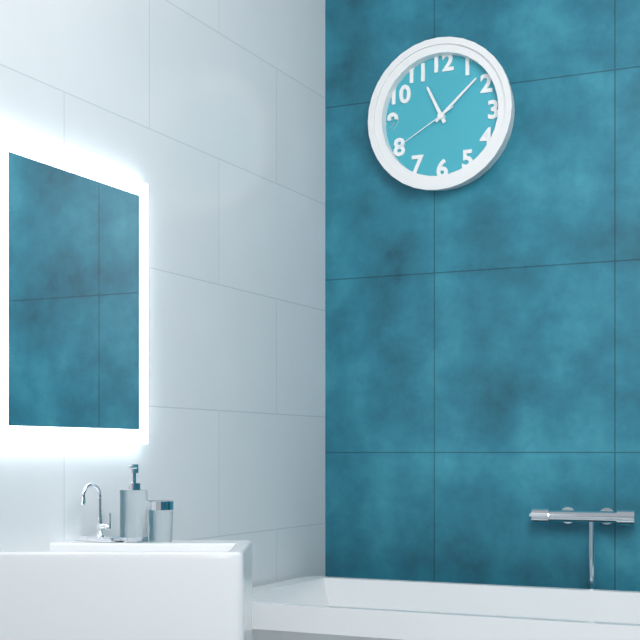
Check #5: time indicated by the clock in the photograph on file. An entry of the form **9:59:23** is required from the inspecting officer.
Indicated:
**11:08:40**
